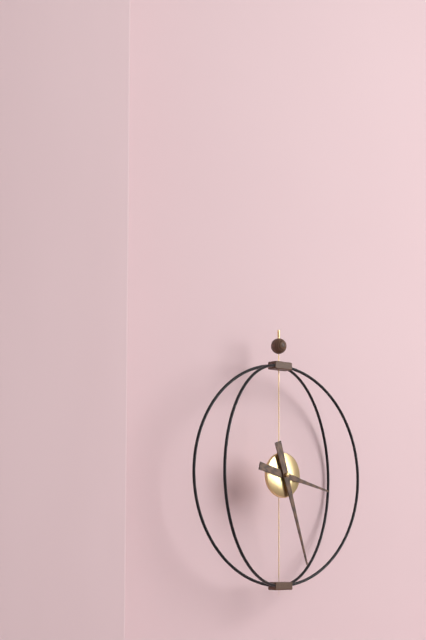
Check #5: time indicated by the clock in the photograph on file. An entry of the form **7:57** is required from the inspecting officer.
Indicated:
**3:27**
